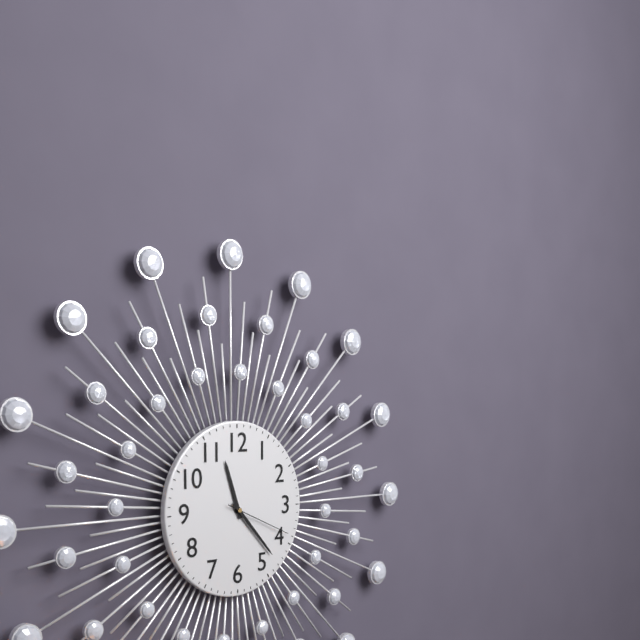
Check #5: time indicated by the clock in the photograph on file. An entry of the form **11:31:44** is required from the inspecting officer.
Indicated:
**11:23:19**
